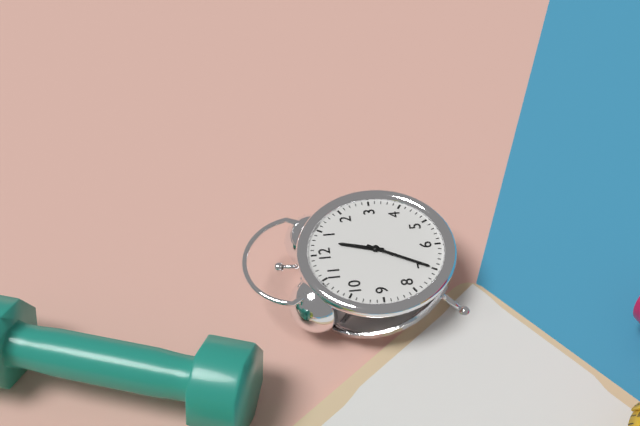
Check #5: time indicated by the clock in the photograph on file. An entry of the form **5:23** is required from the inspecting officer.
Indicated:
**12:35**
